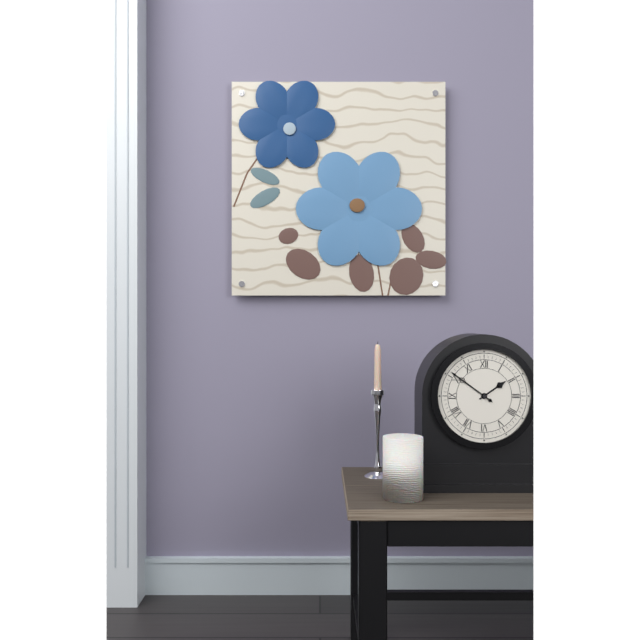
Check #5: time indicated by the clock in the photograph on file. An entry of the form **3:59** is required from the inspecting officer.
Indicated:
**1:51**
